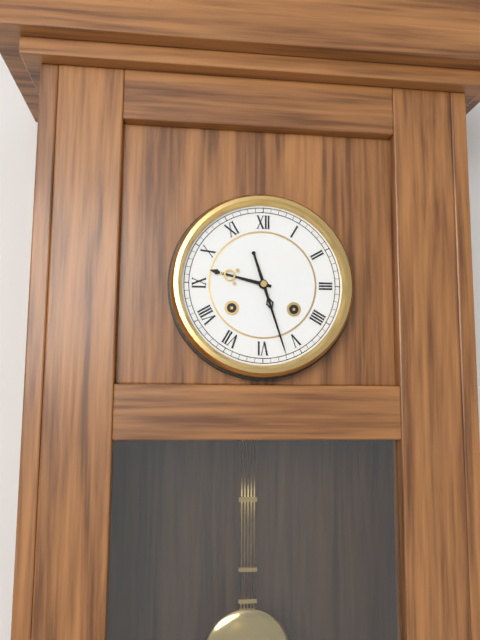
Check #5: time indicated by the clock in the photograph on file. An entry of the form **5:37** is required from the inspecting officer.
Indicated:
**9:27**
